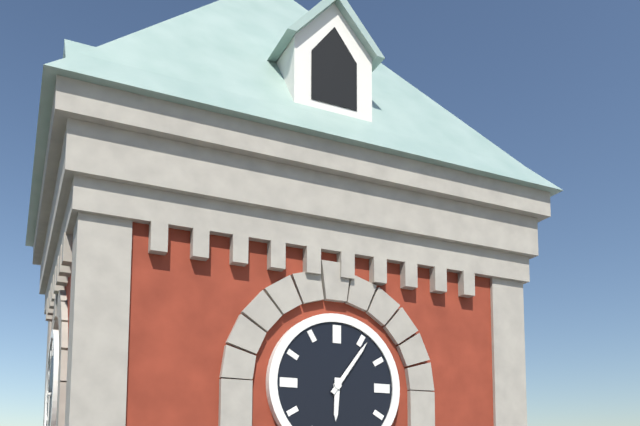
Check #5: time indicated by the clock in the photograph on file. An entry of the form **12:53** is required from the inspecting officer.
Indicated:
**6:06**
